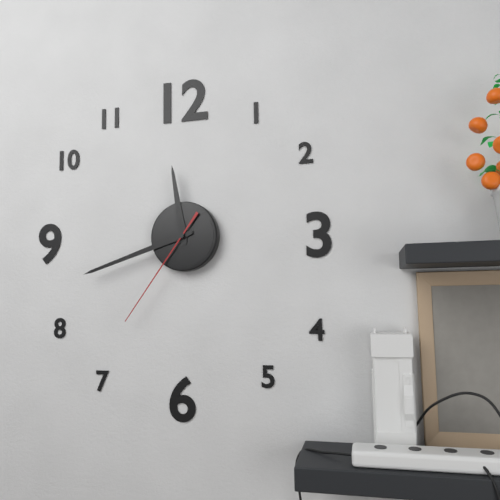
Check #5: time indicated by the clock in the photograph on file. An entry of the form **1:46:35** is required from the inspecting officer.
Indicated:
**11:42:36**
